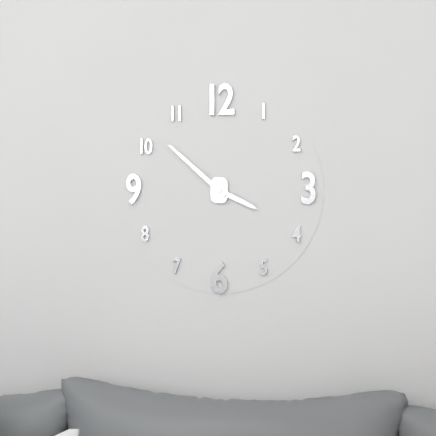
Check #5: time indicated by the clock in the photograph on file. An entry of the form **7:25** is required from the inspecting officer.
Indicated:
**3:52**
